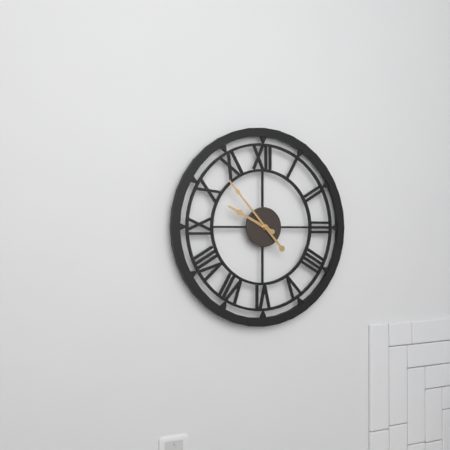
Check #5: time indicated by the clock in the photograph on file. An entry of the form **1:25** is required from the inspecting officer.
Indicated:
**9:53**
